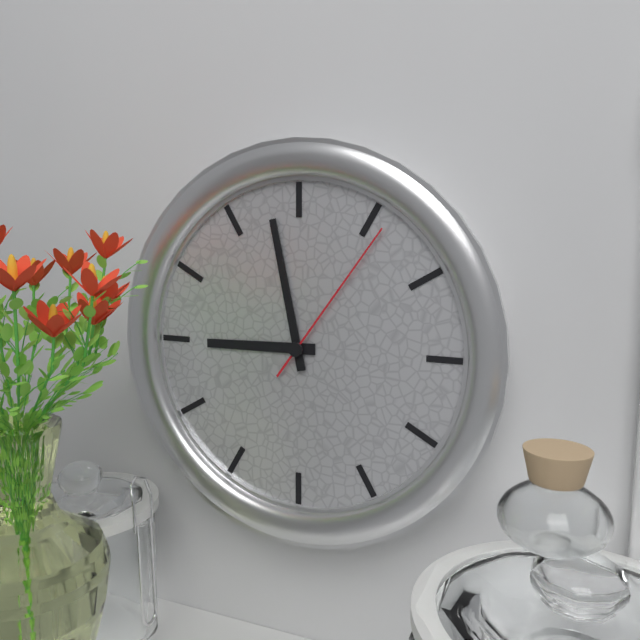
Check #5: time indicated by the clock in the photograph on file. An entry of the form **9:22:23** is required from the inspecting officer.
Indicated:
**8:58:06**
